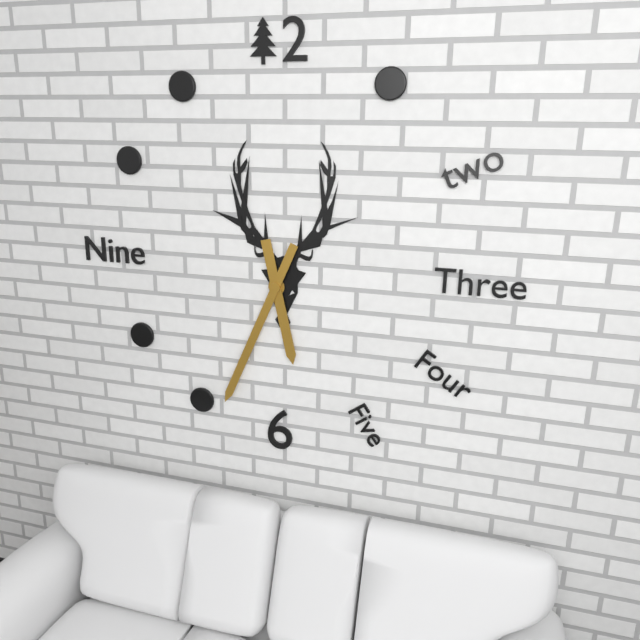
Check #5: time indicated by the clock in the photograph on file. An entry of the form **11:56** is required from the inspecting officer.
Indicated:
**5:34**
